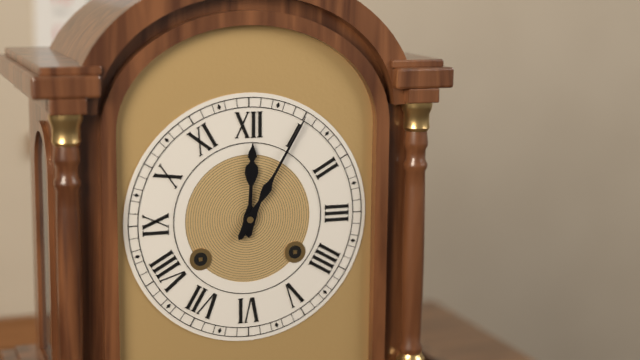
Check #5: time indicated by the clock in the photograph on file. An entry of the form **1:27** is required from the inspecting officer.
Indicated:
**12:05**
